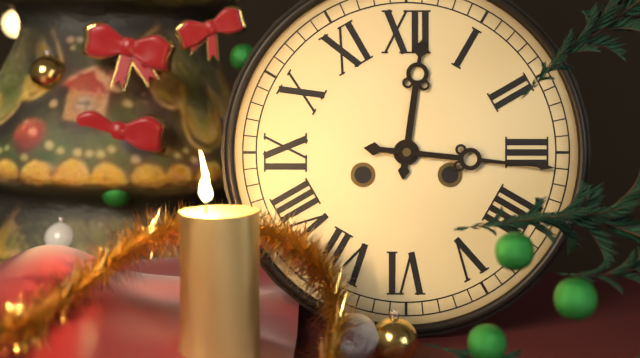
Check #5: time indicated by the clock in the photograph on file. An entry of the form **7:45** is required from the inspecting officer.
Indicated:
**12:16**
